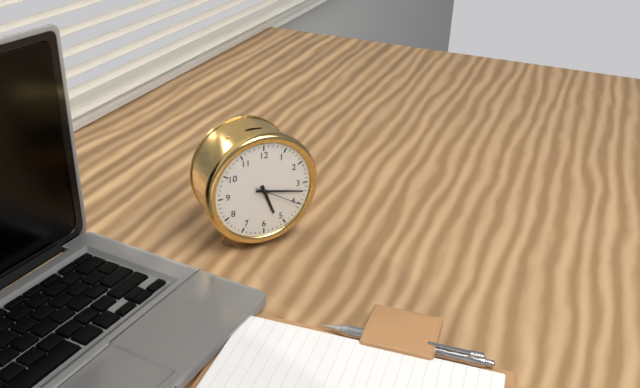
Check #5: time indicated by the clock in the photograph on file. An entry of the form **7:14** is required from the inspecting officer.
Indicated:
**5:17**
